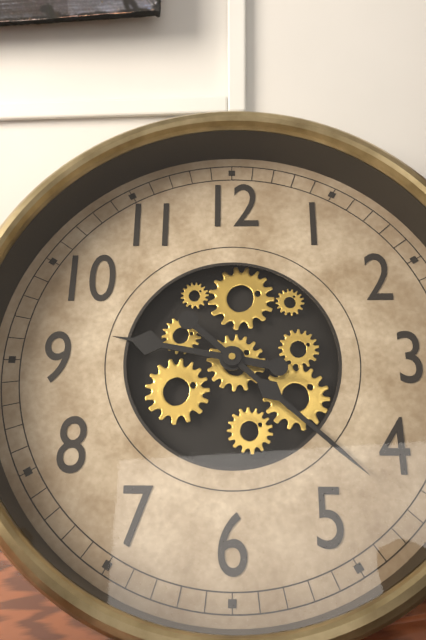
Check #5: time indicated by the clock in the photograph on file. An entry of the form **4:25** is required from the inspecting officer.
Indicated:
**9:22**
